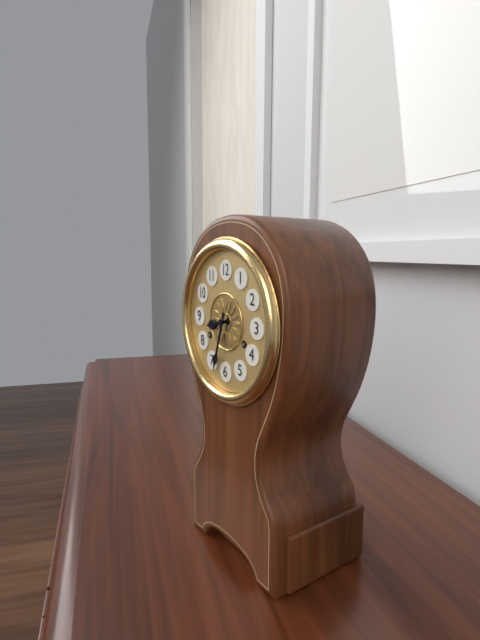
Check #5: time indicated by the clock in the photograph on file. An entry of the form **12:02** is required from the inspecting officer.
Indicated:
**8:33**
